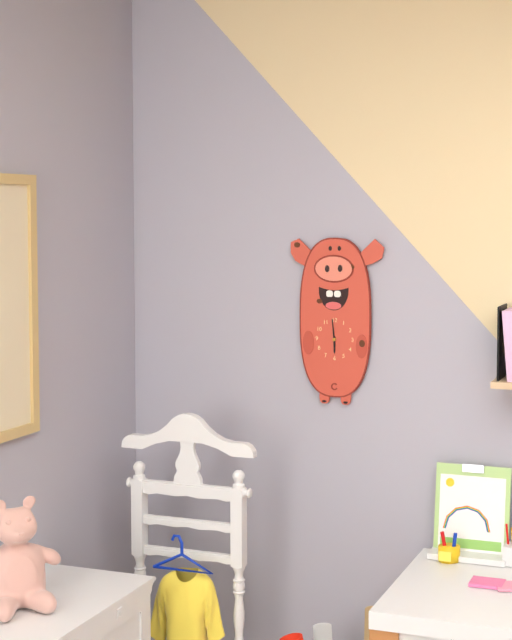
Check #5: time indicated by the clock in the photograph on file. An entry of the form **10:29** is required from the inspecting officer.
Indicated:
**5:59**
